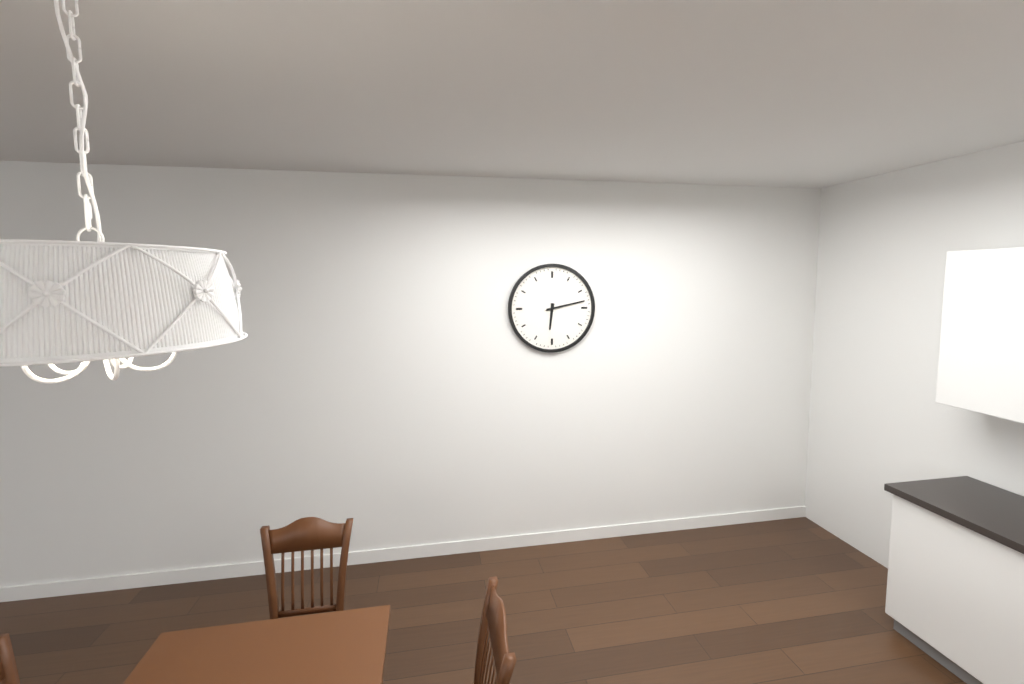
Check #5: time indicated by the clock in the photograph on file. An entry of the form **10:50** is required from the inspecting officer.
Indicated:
**6:13**
